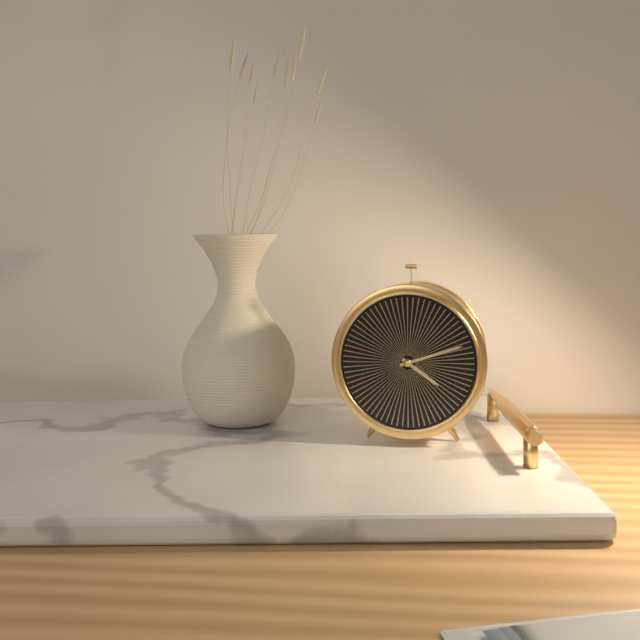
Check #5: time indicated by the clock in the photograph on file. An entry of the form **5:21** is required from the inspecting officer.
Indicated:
**4:12**
